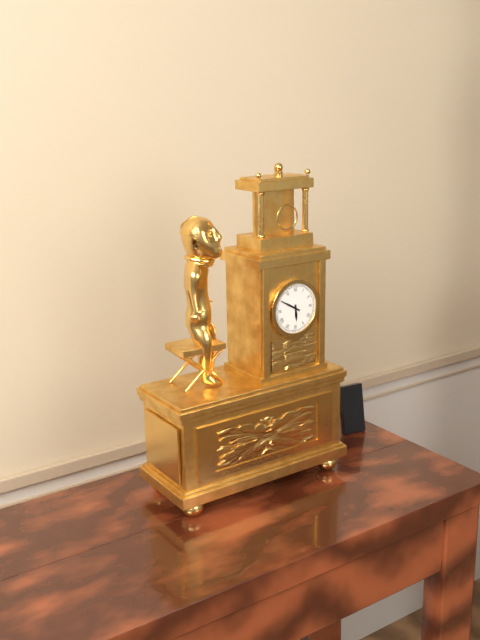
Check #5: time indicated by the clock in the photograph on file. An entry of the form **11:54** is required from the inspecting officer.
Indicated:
**5:50**
